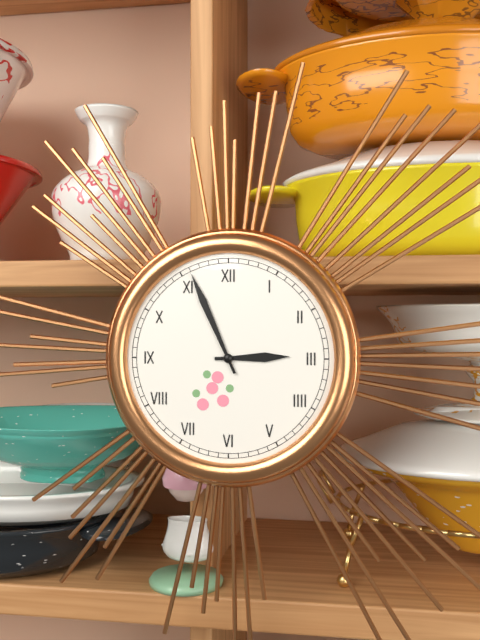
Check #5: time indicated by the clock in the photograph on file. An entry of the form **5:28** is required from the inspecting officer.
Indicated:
**2:56**
